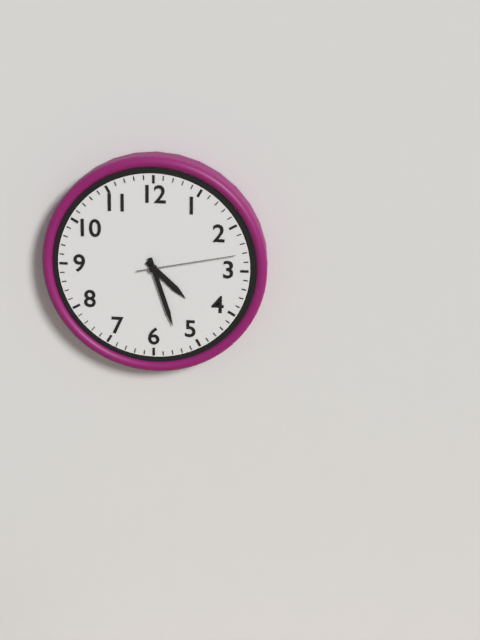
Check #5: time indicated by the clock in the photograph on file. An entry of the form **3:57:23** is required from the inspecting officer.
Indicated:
**4:27:13**
